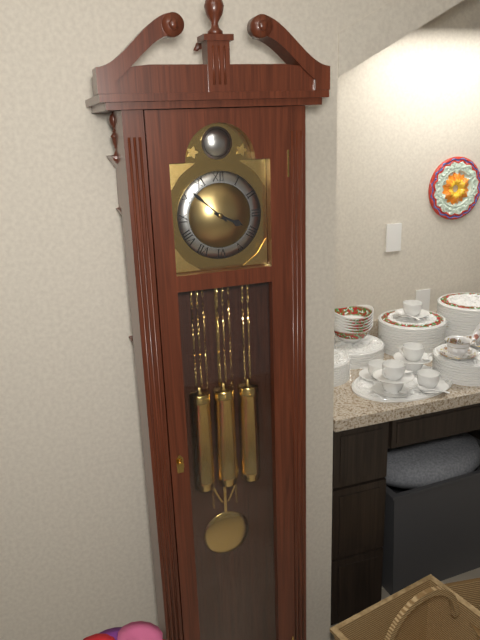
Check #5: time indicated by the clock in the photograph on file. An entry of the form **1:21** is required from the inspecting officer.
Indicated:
**3:52**
